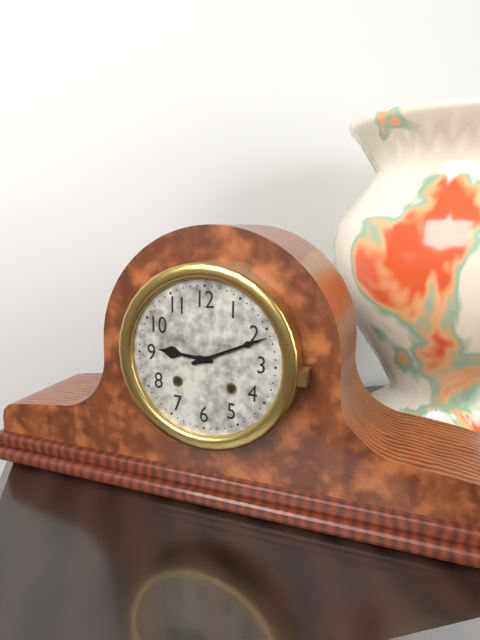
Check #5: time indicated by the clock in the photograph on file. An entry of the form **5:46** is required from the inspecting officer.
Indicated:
**9:11**
